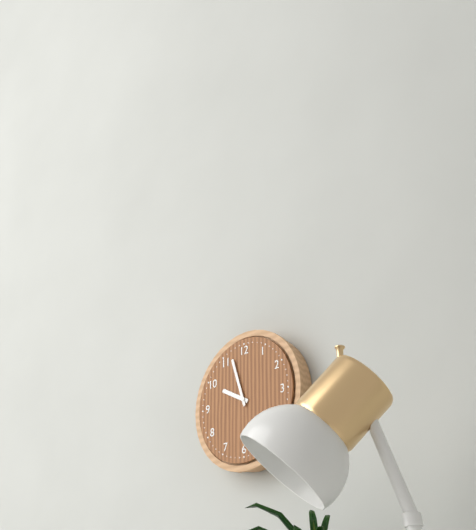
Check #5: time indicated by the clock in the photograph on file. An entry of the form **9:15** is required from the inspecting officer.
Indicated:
**9:57**
